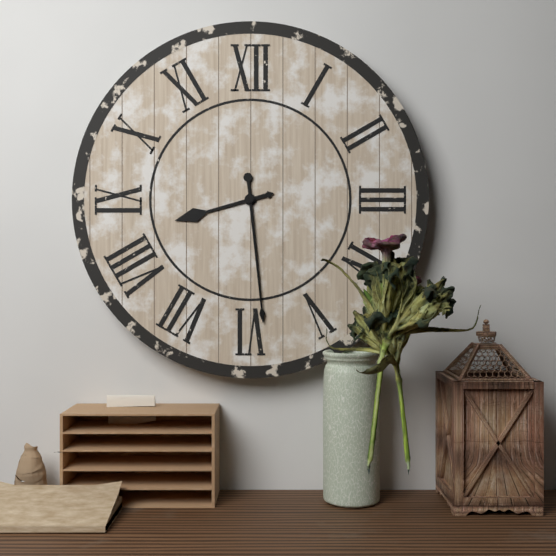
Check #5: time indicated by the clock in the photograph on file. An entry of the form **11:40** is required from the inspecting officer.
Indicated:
**8:29**
